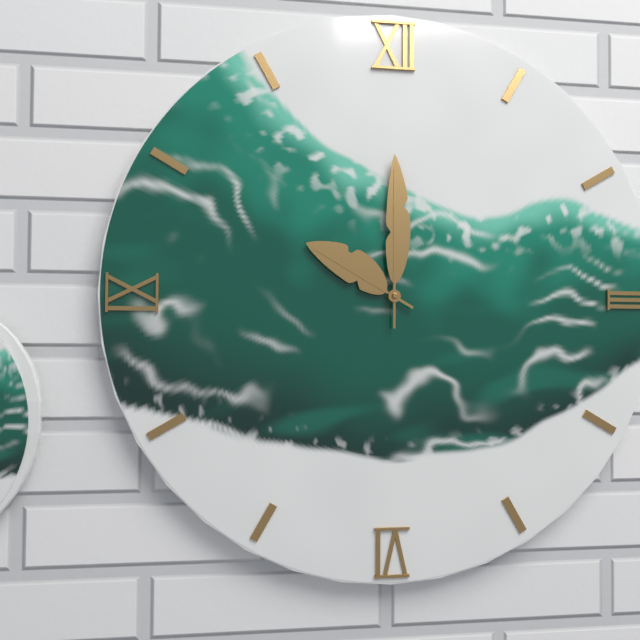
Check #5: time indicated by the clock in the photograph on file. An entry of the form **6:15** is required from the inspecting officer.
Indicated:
**10:00**
